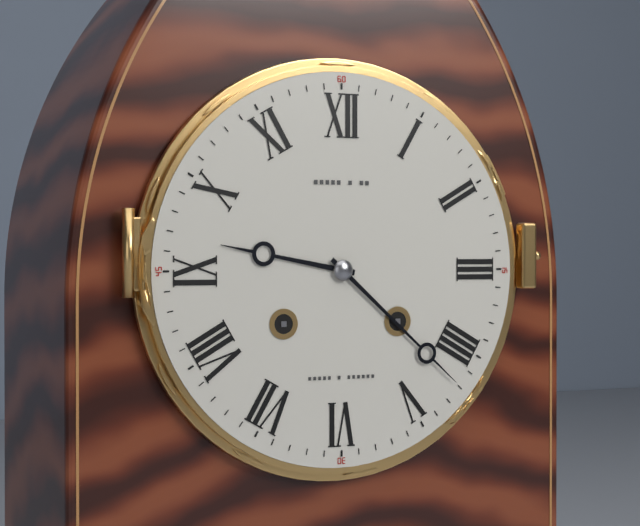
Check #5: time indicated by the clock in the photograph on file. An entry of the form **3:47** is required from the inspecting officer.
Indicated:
**9:22**
